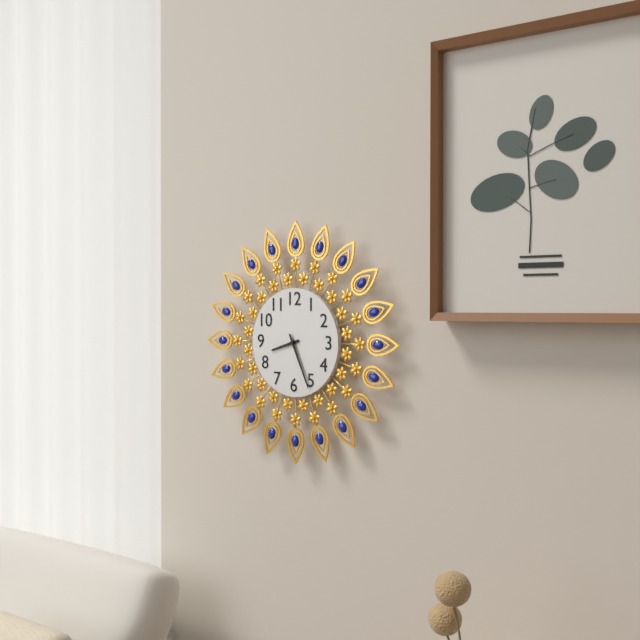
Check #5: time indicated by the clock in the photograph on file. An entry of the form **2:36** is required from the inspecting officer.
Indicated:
**8:26**
